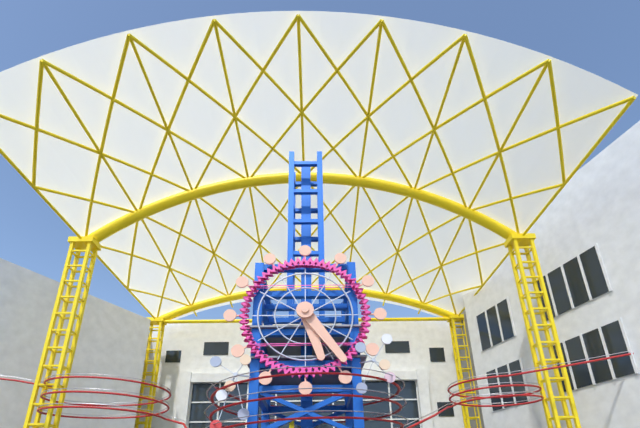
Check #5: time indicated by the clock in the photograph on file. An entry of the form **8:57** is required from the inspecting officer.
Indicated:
**5:24**
